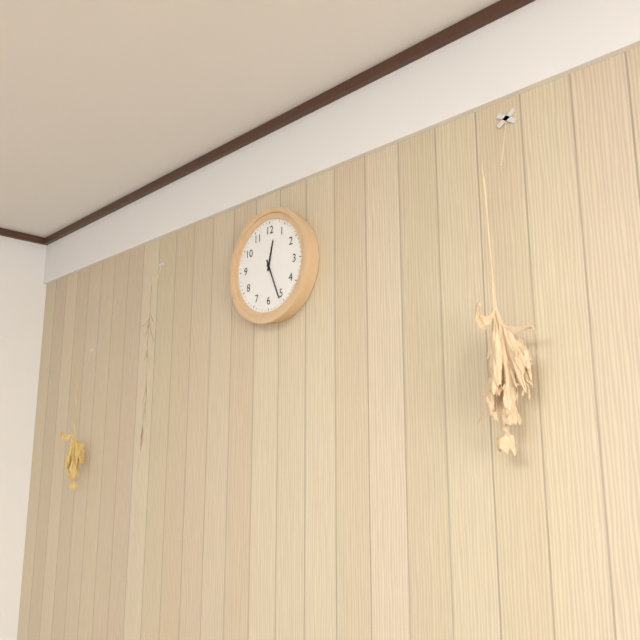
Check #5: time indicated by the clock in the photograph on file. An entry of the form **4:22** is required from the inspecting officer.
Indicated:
**12:26**
